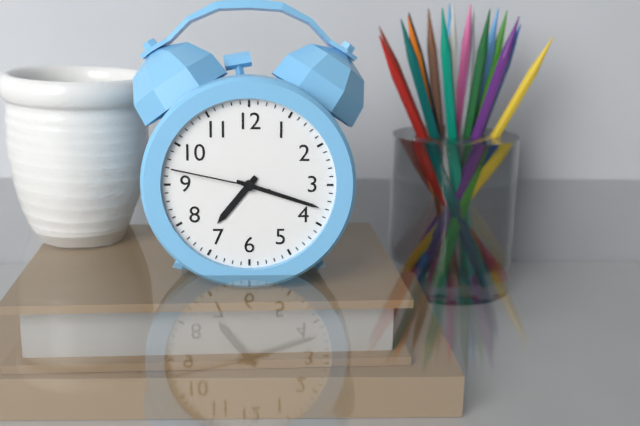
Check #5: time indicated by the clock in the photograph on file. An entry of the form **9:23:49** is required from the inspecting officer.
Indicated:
**7:18:47**
